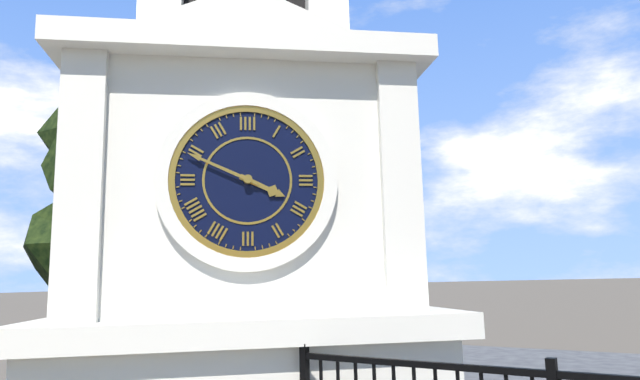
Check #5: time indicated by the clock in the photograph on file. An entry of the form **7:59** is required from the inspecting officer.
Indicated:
**3:49**
